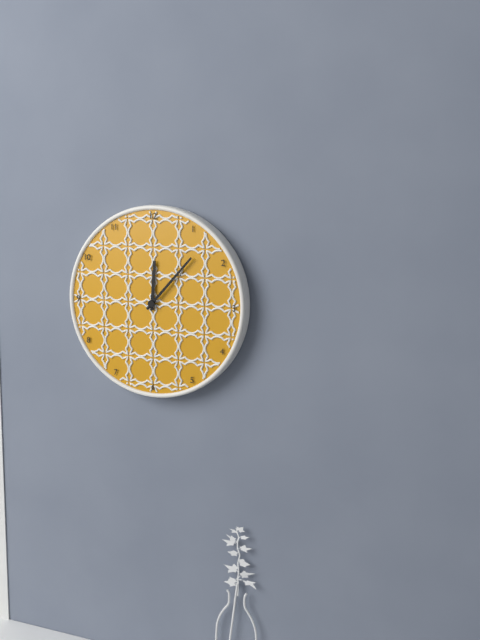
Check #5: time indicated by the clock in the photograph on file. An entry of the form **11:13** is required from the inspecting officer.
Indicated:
**12:07**
